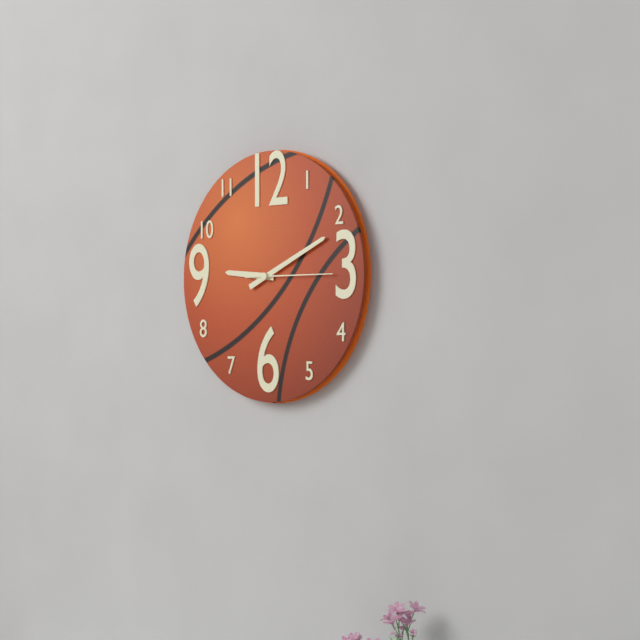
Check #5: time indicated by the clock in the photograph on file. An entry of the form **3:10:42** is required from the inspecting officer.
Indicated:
**9:11:15**
